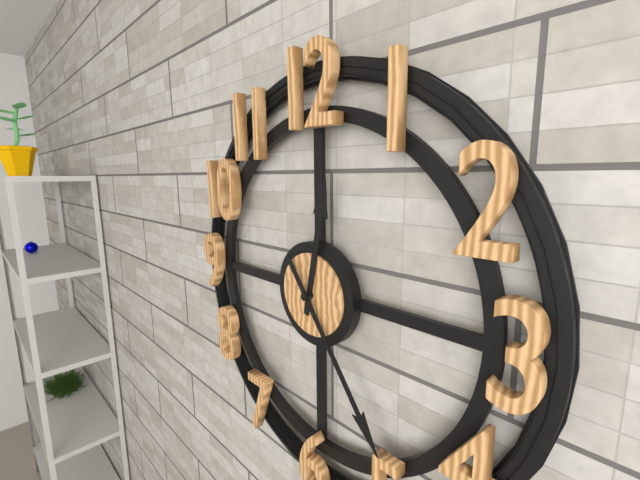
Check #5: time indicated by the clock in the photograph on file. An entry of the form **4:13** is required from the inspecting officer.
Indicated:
**12:24**
